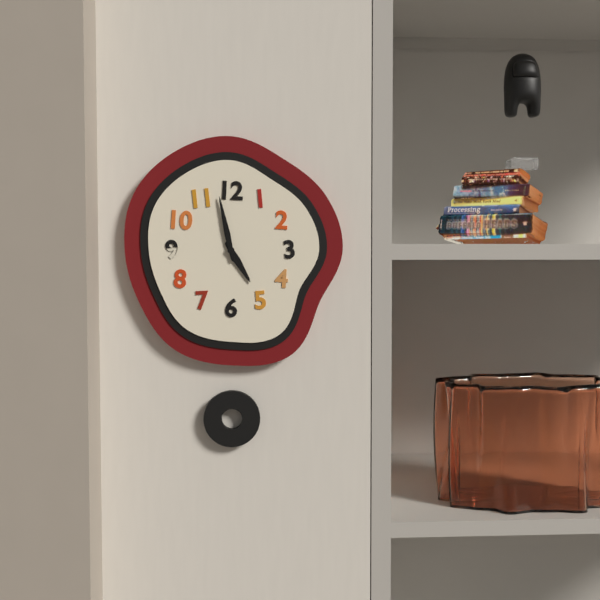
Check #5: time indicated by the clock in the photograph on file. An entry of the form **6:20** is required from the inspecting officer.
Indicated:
**4:58**
